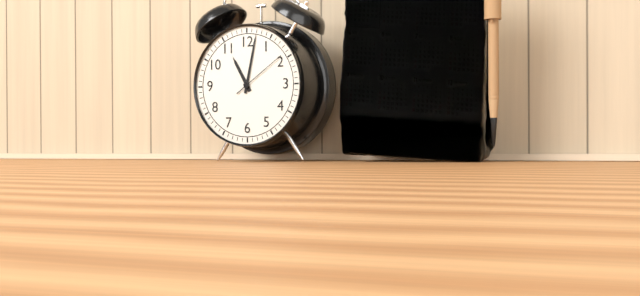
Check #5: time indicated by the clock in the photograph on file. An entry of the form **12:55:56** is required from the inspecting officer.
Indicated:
**11:02:09**
